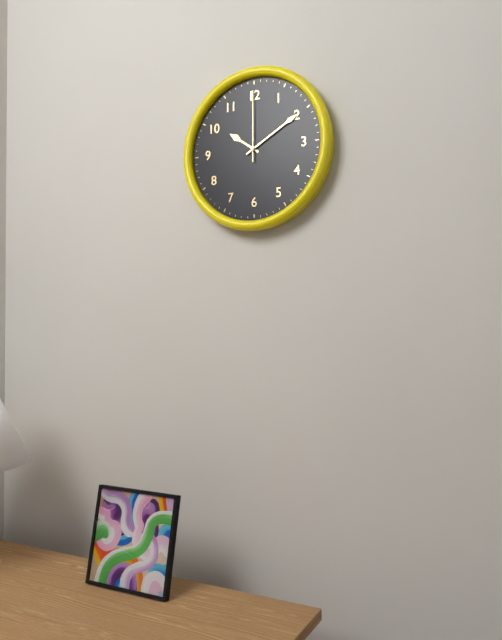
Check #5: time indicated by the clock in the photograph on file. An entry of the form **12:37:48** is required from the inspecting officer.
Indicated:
**10:10:00**
